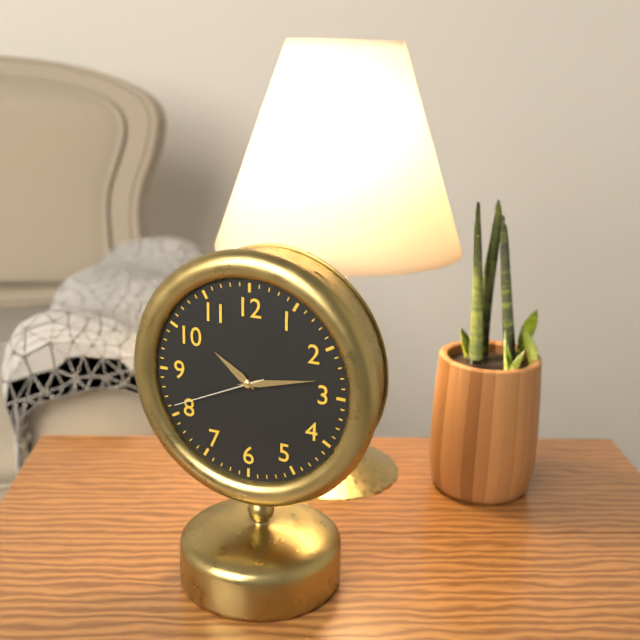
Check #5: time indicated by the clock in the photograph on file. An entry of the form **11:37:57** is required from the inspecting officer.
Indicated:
**10:13:41**
